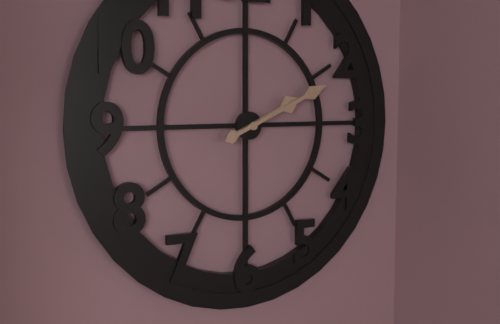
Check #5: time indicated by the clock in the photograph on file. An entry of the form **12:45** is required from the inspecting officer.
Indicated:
**2:11**
